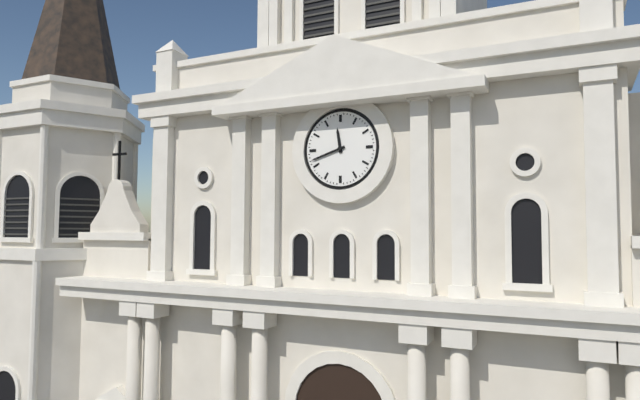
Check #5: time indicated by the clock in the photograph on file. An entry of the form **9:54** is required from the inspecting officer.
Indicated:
**11:42**
